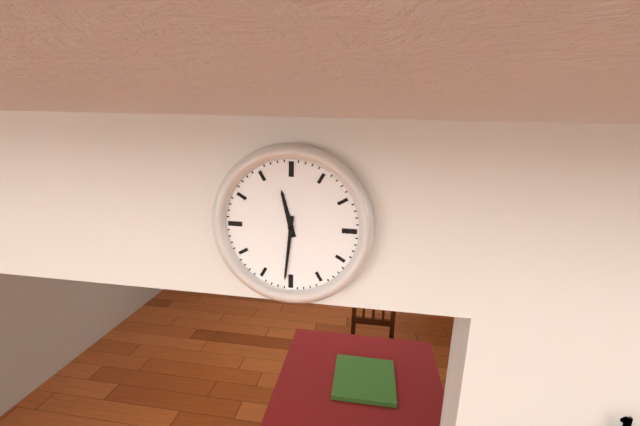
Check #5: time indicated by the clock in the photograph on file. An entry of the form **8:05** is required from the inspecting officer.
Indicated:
**11:31**
